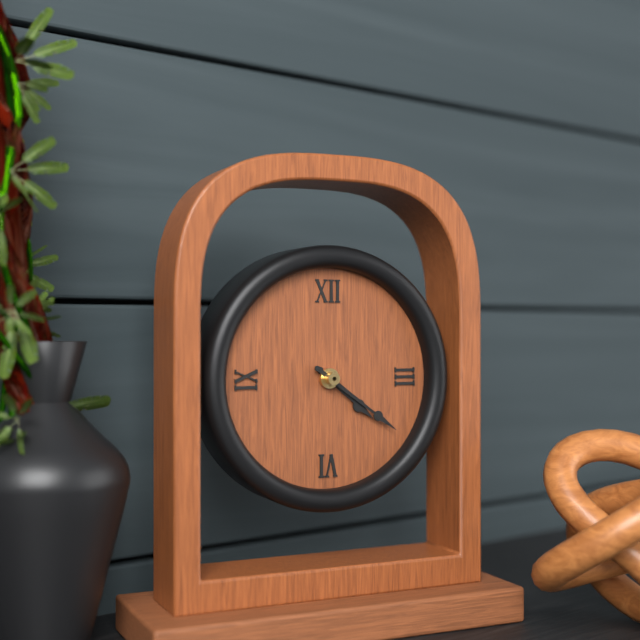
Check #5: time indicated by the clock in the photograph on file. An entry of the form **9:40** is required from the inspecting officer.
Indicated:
**4:21**
